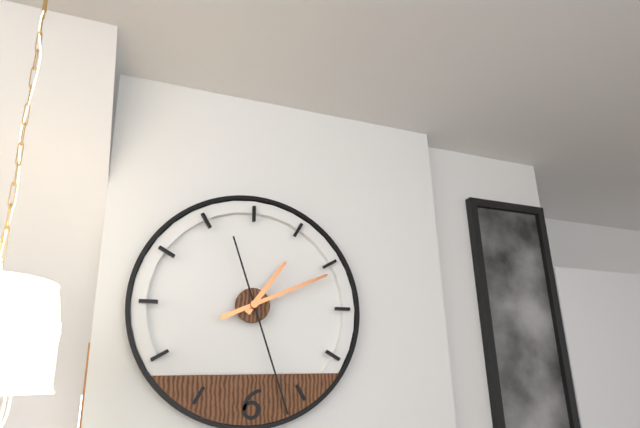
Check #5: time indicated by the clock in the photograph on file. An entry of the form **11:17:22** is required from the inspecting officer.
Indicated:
**1:11:27**
